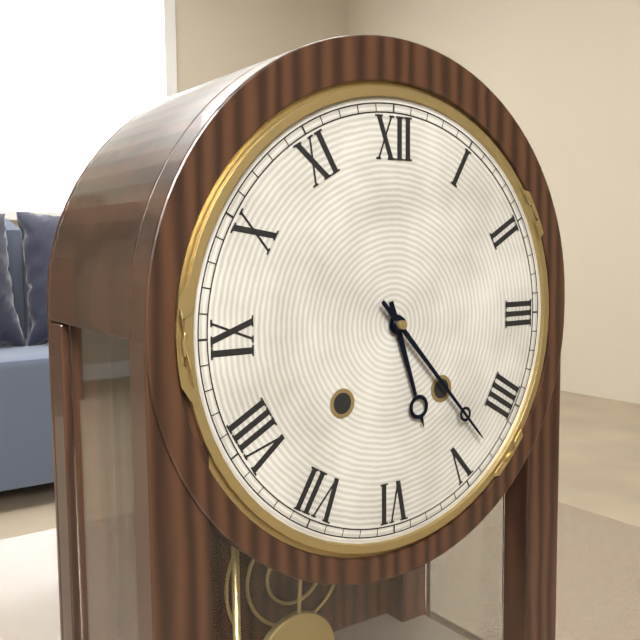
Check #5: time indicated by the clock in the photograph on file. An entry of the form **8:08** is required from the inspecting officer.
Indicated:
**5:23**
